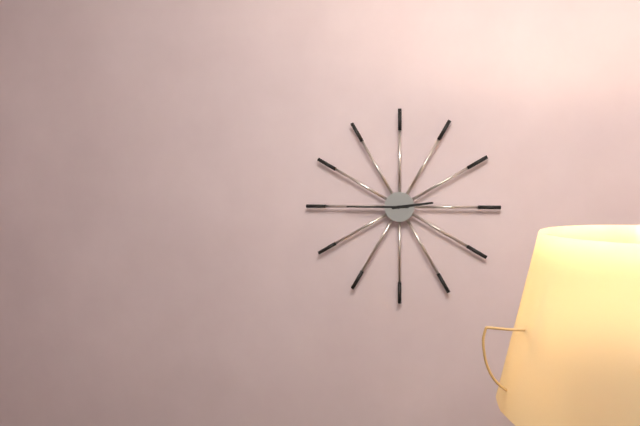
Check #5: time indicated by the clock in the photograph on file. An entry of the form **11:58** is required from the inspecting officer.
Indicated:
**2:45**
